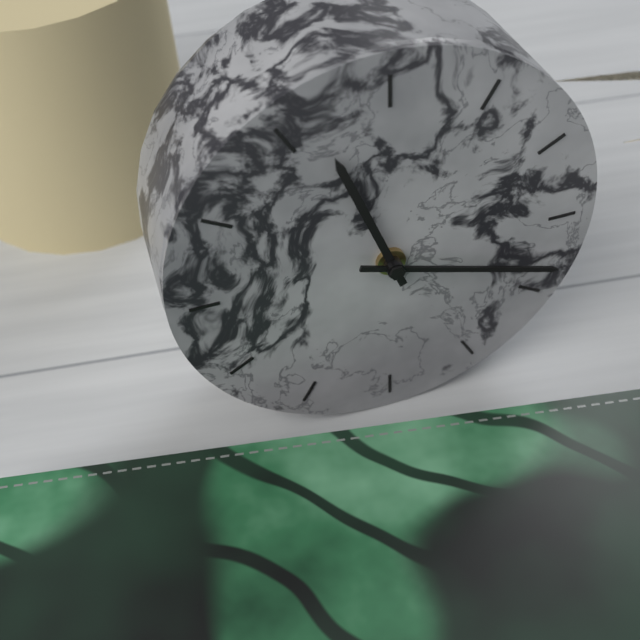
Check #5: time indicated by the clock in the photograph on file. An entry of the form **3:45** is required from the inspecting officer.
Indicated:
**11:18**
